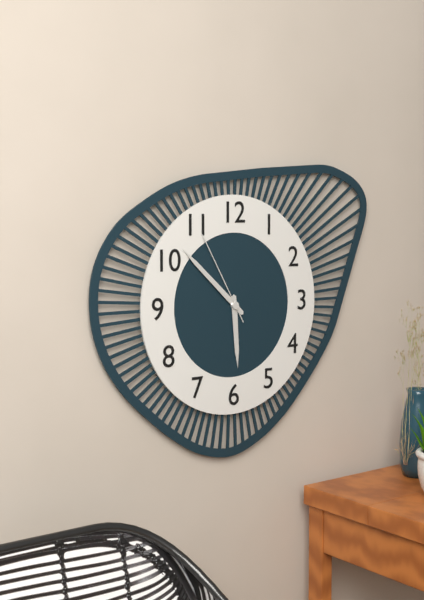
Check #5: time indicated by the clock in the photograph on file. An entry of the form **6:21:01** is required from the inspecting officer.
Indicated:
**5:52:55**
